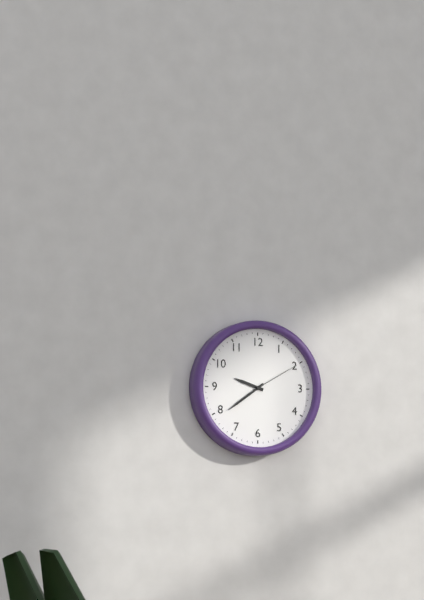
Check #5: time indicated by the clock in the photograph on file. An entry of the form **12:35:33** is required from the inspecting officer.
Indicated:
**9:39:10**
